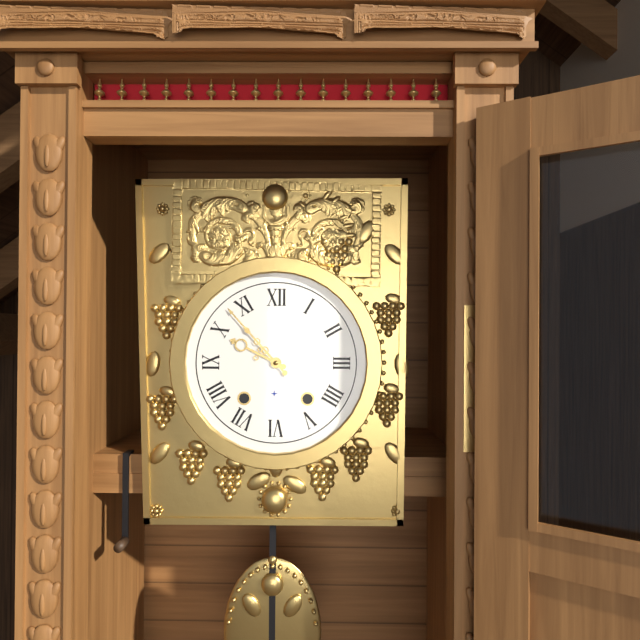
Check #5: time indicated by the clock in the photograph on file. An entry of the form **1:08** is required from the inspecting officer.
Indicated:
**9:53**
